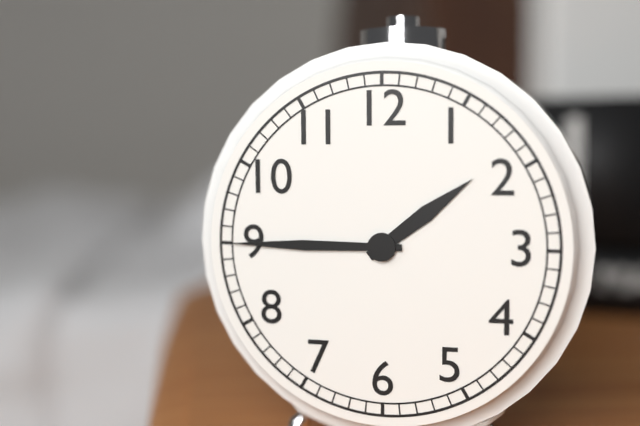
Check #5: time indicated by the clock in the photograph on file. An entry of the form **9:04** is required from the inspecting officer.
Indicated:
**1:45**
